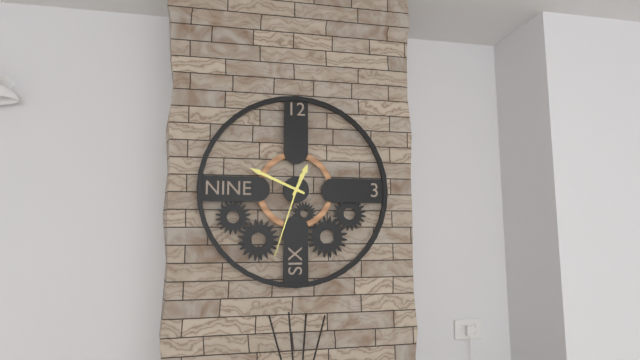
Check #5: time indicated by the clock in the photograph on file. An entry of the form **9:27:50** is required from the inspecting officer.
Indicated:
**12:49:33**
